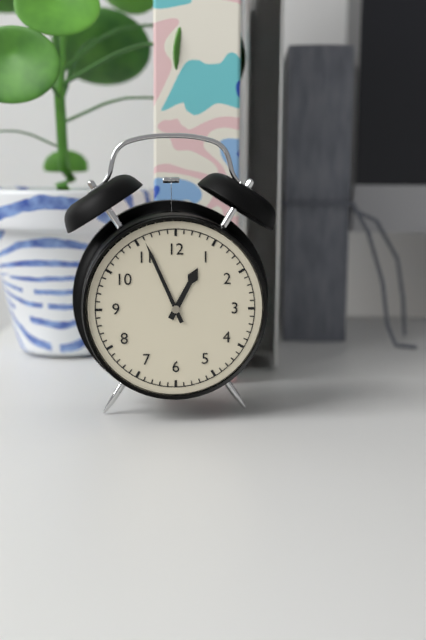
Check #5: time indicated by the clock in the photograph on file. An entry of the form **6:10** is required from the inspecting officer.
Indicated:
**12:56**
